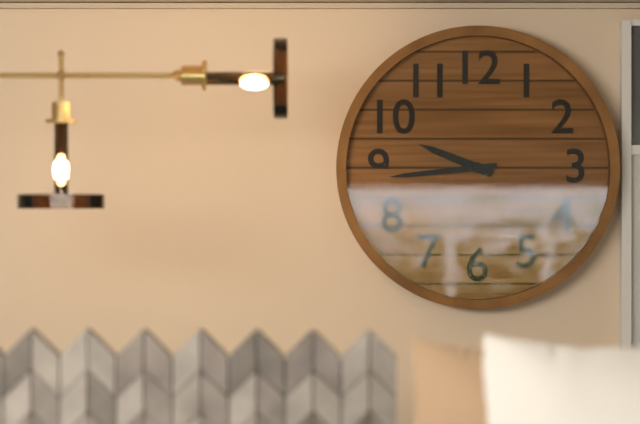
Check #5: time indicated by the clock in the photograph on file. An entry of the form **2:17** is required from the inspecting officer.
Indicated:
**9:44**
